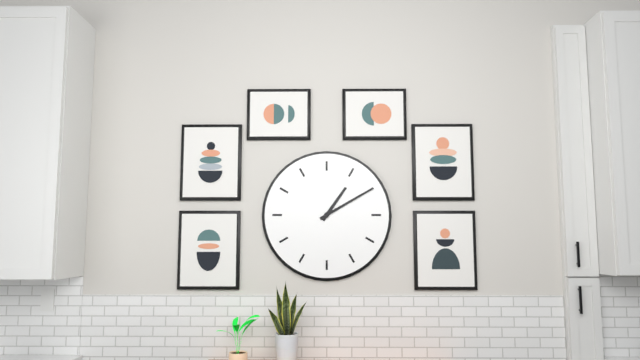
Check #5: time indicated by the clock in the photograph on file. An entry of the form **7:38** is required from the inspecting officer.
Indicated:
**1:10**
